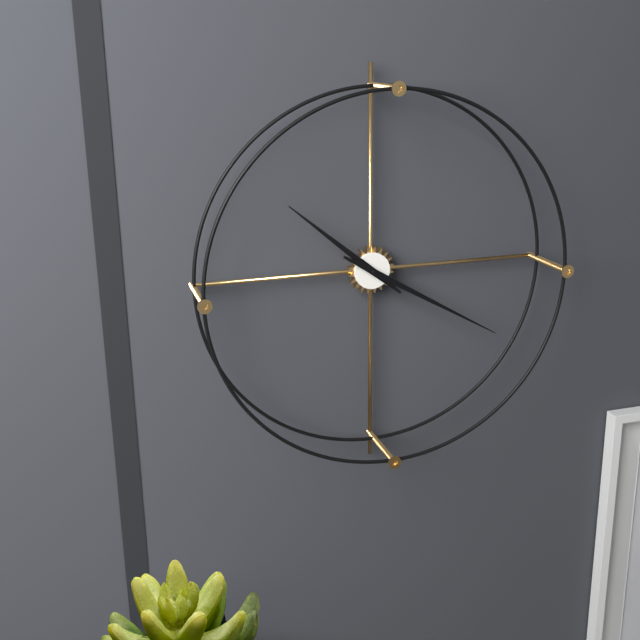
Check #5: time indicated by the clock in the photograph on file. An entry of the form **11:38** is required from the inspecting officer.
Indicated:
**10:20**
